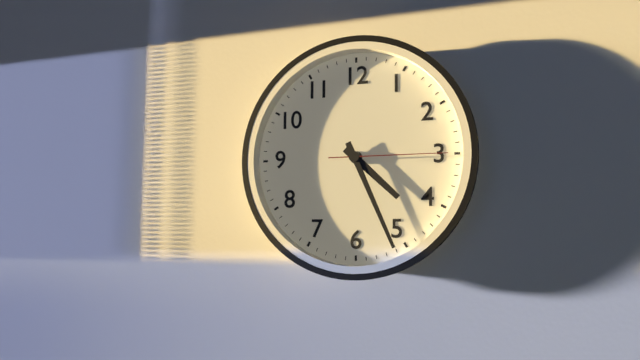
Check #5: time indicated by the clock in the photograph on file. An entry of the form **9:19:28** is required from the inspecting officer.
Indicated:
**4:26:15**
